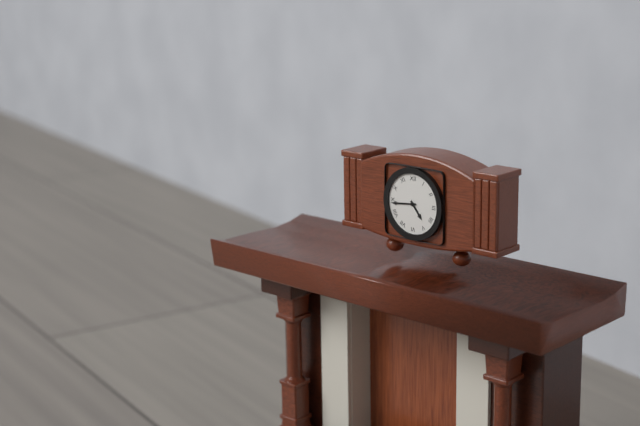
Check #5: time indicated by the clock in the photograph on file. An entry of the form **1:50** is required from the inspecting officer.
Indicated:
**4:44**
